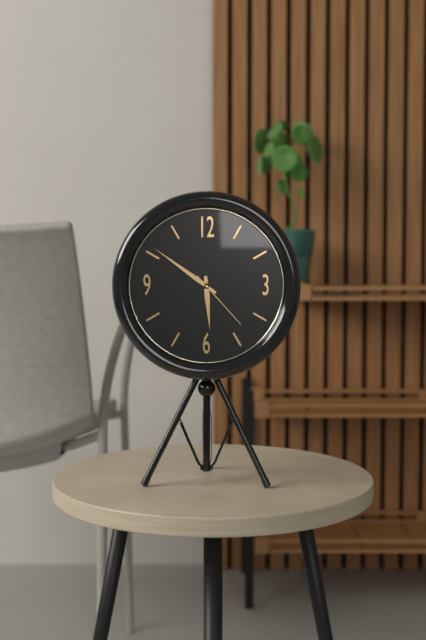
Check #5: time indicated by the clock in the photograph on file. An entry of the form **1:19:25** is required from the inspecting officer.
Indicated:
**5:51:23**
